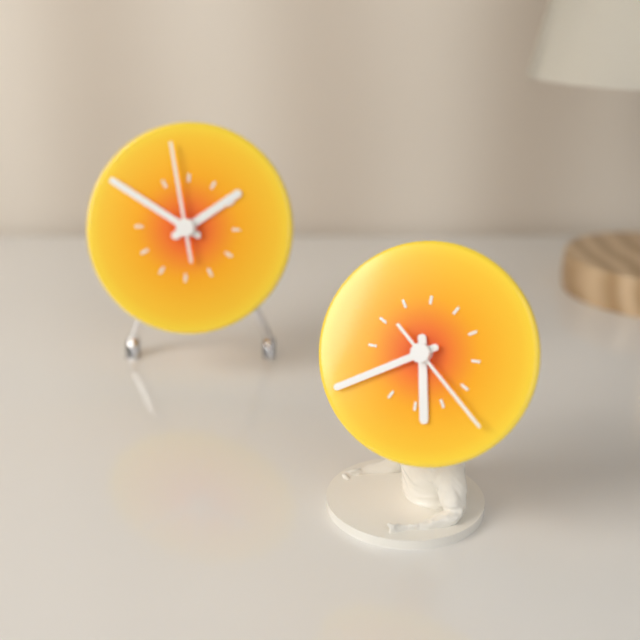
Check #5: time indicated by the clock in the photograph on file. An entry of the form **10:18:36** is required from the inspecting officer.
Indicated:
**5:40:22**
